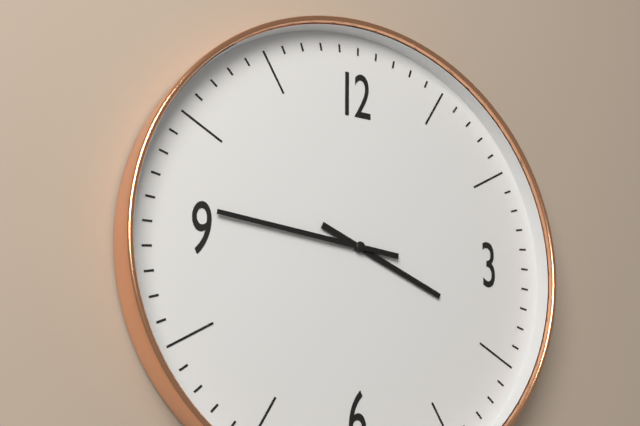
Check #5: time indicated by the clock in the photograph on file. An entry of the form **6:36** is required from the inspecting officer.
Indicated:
**3:46**
